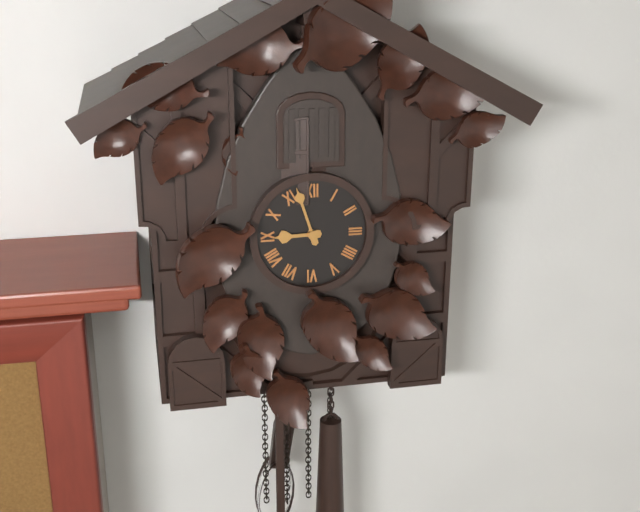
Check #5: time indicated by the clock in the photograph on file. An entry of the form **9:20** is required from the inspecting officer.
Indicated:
**8:57**
